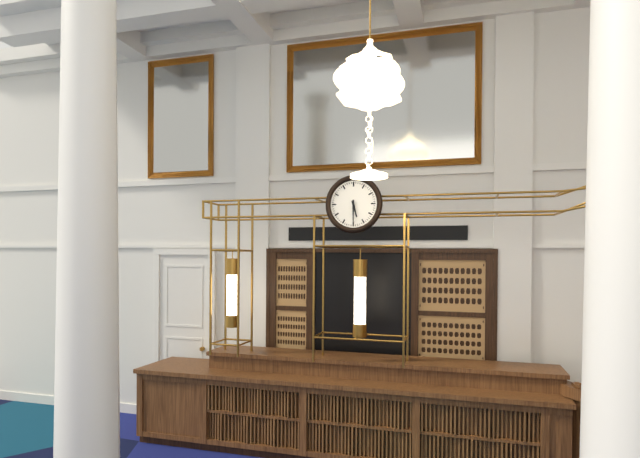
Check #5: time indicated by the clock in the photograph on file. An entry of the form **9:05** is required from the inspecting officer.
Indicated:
**5:30**
